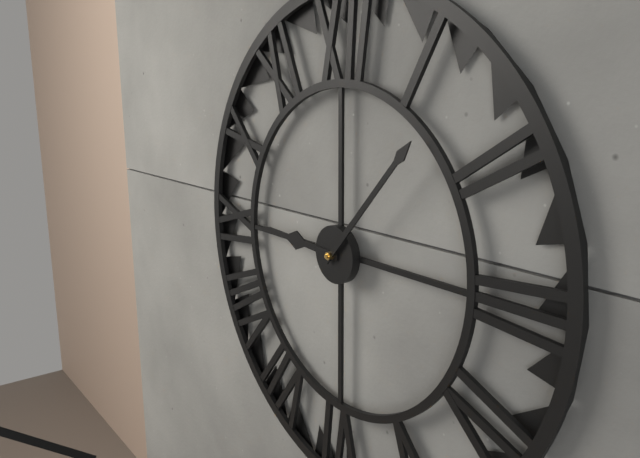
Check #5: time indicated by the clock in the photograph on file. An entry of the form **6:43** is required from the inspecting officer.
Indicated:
**9:07**
